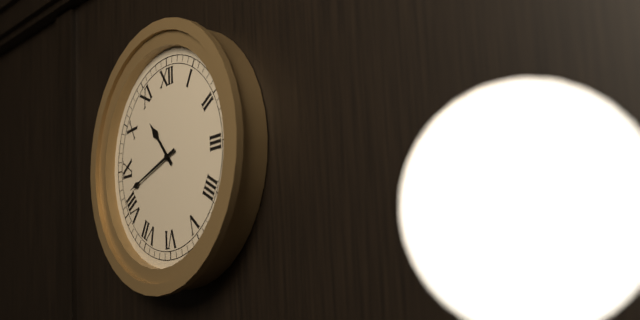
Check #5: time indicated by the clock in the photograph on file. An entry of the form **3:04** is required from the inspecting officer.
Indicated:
**10:42**
